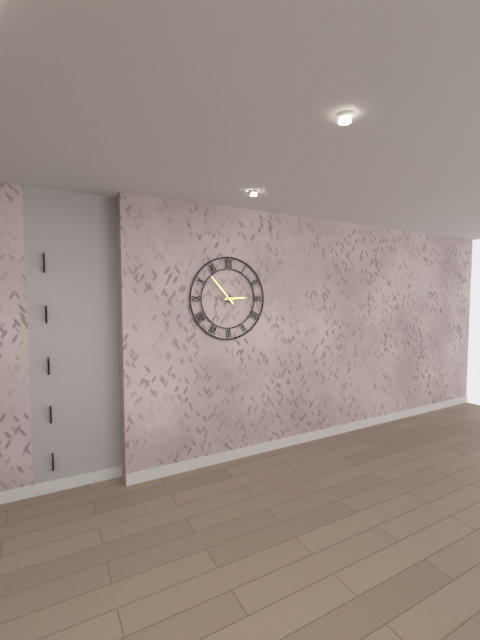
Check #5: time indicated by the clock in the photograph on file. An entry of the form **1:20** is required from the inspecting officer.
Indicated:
**2:53**
